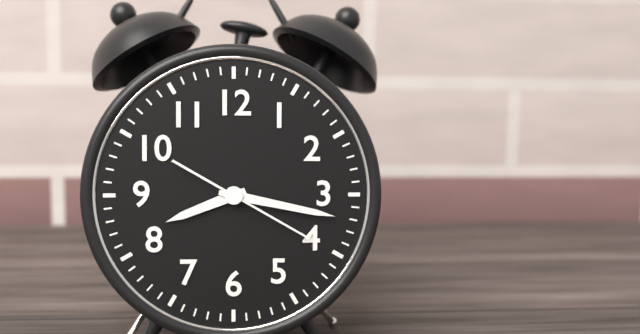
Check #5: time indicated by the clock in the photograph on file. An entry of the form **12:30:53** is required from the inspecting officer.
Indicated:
**8:17:20**
